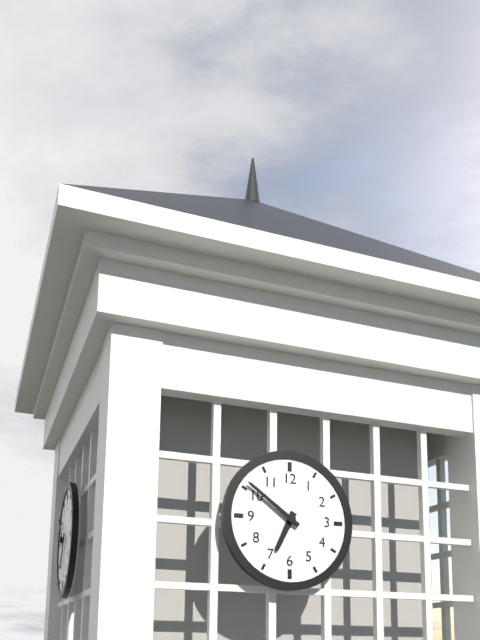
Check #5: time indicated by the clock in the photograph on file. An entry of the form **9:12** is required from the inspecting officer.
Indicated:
**6:51**
